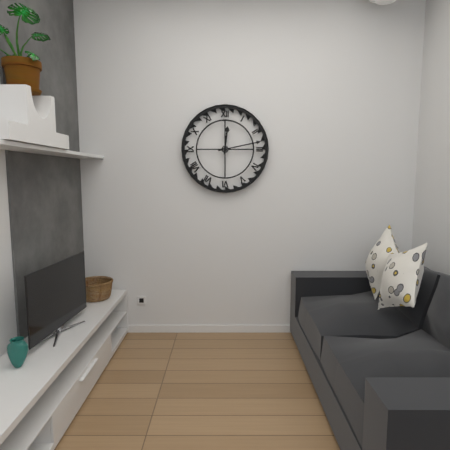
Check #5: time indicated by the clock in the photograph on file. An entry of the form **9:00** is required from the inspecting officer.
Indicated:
**12:13**
